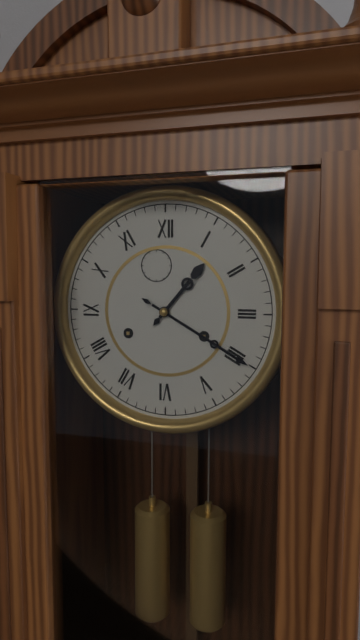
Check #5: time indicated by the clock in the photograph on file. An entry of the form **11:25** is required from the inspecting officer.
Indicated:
**1:20**
